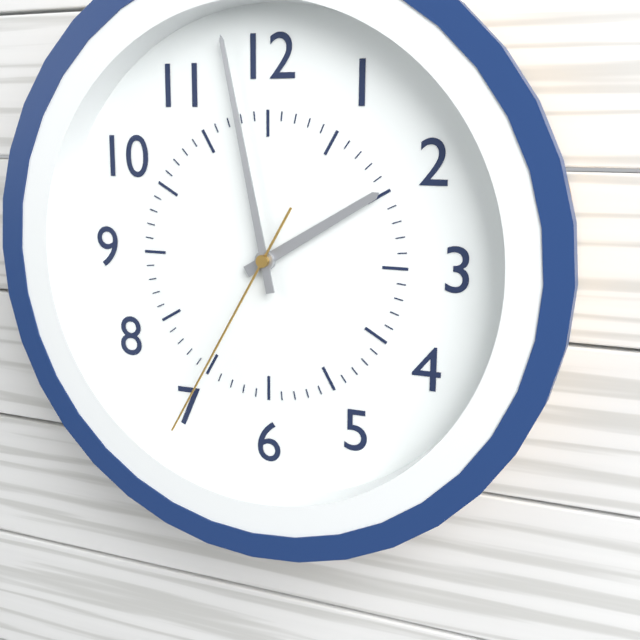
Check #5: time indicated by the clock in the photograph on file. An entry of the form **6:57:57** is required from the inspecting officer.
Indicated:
**1:58:35**
